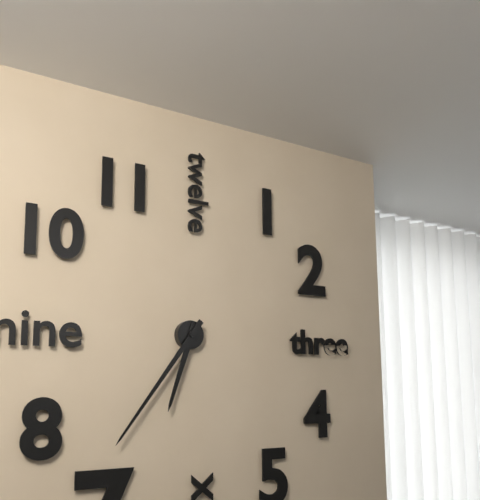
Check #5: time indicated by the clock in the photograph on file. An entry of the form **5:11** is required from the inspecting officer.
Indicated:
**6:36**
